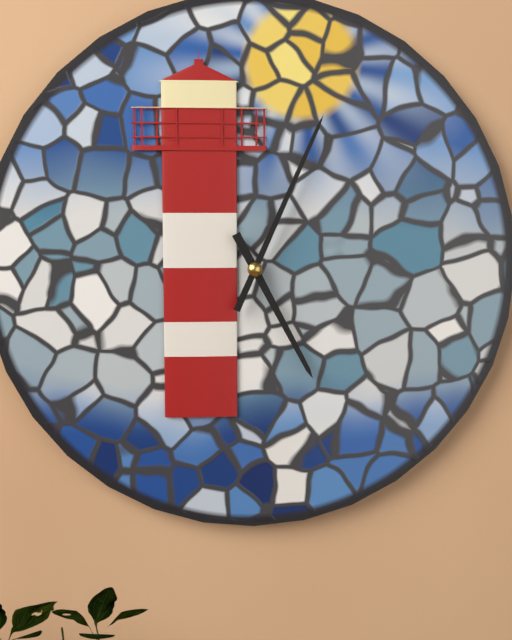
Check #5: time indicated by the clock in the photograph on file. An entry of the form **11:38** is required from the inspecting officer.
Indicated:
**5:04**
